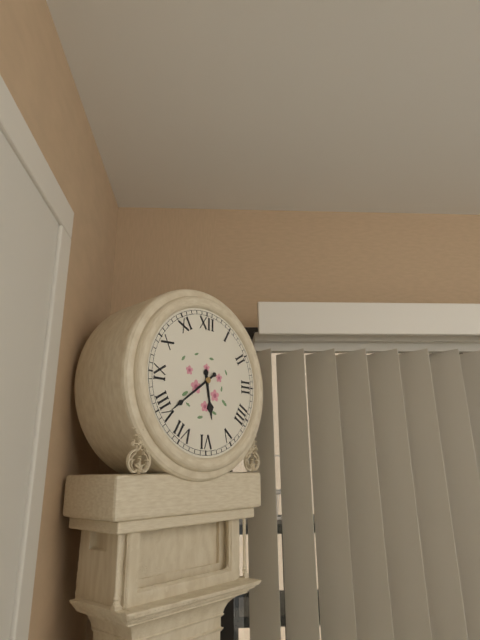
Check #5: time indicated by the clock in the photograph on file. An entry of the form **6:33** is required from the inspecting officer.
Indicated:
**5:39**
